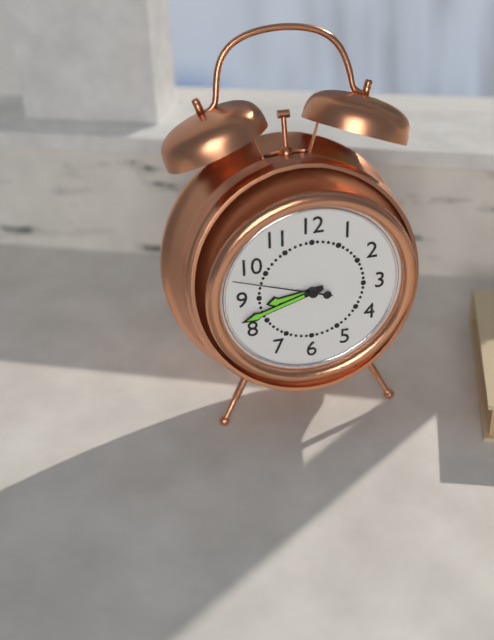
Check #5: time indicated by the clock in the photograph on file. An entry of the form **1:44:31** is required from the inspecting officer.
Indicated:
**8:42:48**
